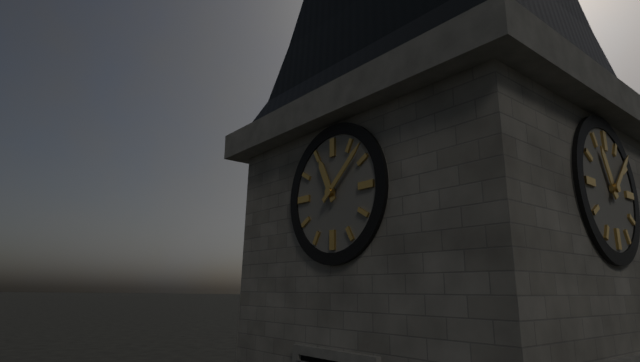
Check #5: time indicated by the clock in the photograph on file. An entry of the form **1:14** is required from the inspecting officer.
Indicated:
**11:08**
